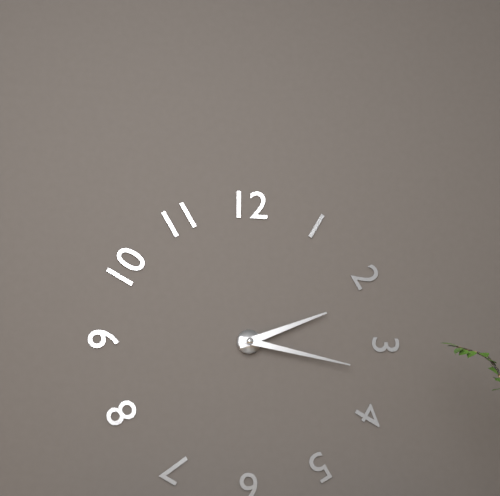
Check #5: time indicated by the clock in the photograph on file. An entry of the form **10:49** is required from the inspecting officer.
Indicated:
**2:17**
